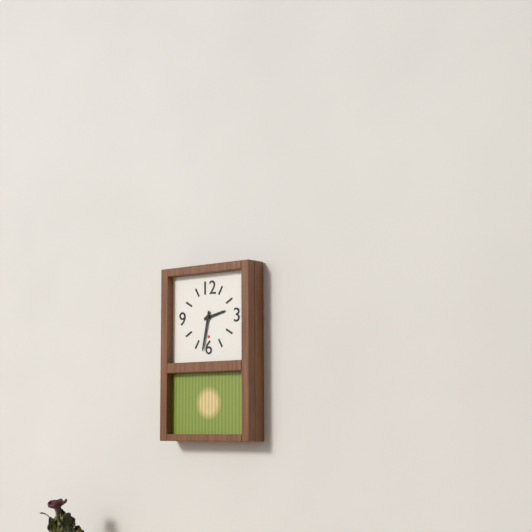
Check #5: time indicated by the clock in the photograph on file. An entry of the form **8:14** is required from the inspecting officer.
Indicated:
**2:32**
